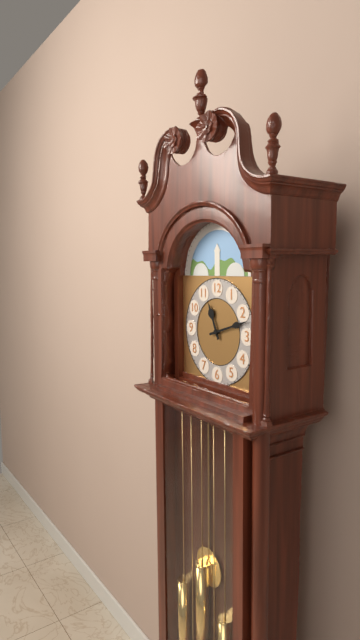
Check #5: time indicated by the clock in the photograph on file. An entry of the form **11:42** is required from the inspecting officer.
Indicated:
**11:12**
